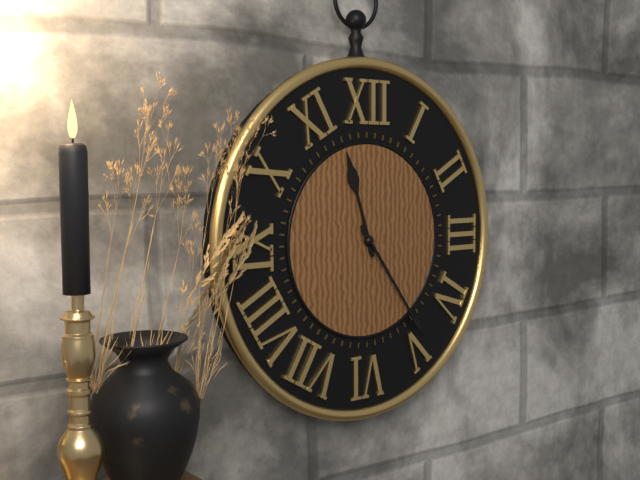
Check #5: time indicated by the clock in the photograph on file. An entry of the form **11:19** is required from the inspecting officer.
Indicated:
**11:24**
